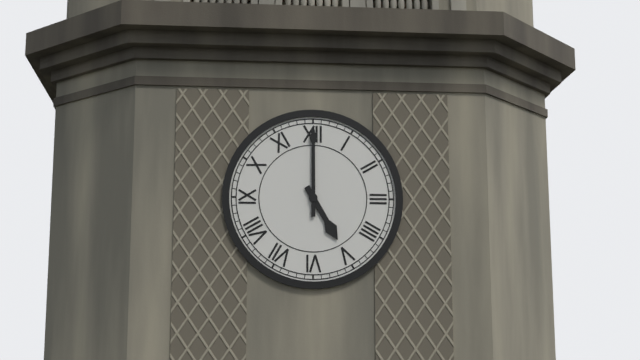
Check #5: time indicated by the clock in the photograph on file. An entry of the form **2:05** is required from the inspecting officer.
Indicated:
**5:00**
